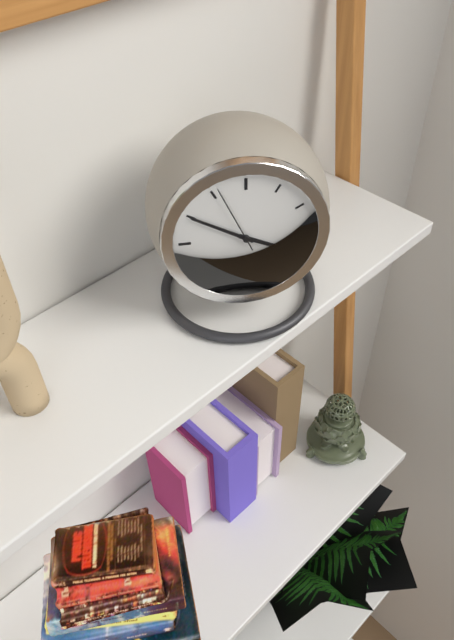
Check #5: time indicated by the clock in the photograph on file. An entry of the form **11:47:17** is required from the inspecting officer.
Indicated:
**3:50:56**
